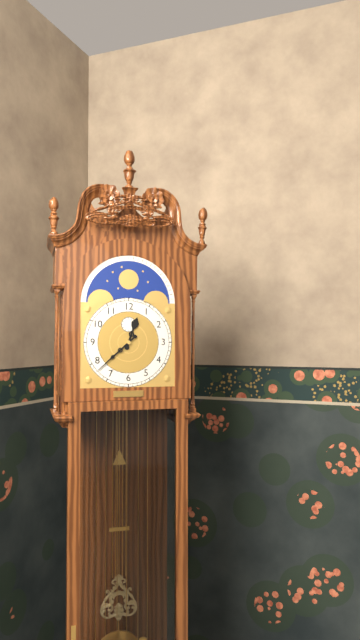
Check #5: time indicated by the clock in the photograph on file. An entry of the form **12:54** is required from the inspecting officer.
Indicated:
**12:38**
